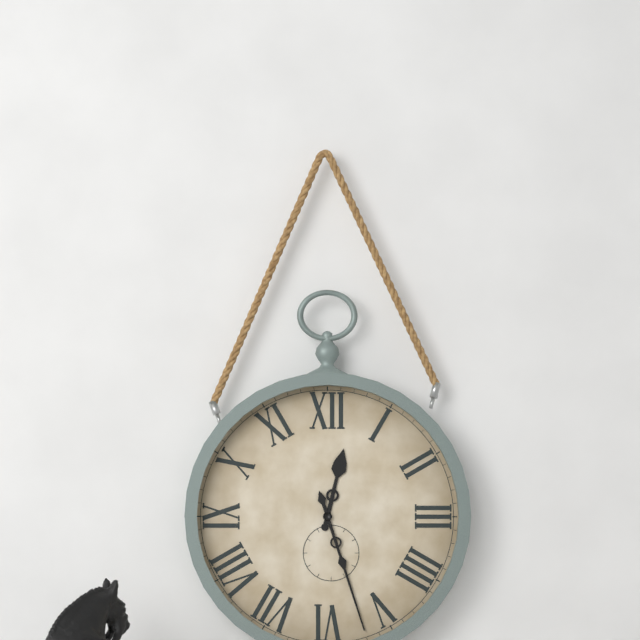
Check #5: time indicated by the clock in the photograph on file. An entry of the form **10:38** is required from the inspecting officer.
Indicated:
**12:27**
